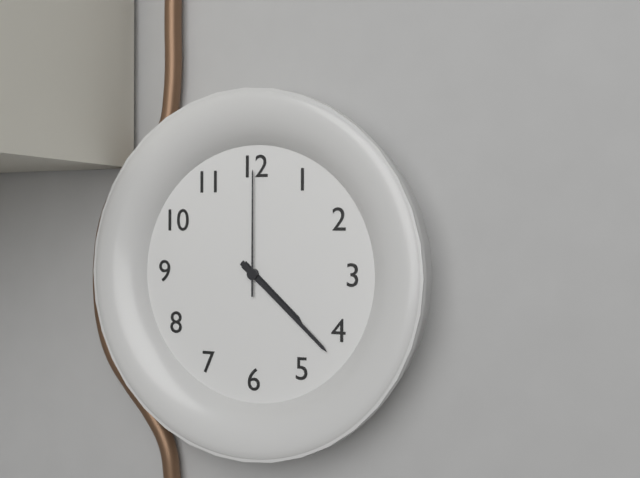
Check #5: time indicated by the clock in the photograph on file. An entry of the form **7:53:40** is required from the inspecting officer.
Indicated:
**4:22:00**
